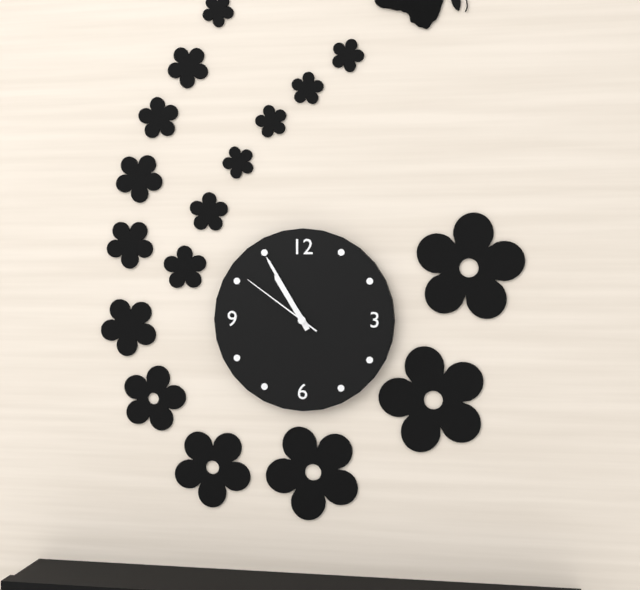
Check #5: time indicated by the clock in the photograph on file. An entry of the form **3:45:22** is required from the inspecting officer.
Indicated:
**10:55:51**
